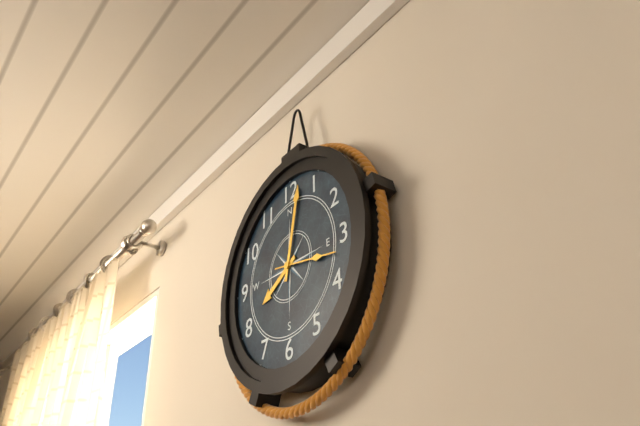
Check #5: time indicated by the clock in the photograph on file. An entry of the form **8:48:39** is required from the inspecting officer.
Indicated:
**8:02:17**
